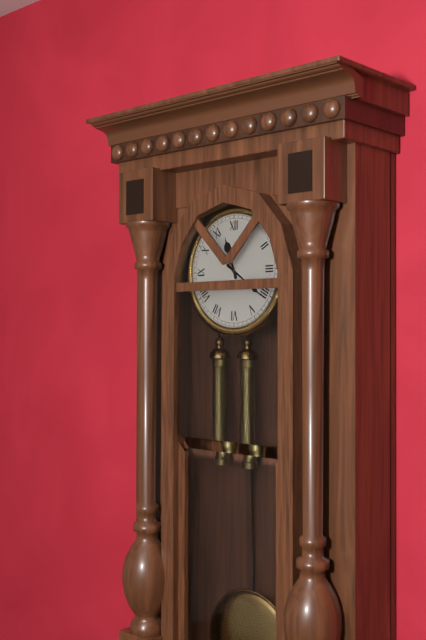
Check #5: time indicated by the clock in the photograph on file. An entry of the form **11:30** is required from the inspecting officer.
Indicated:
**11:21**
